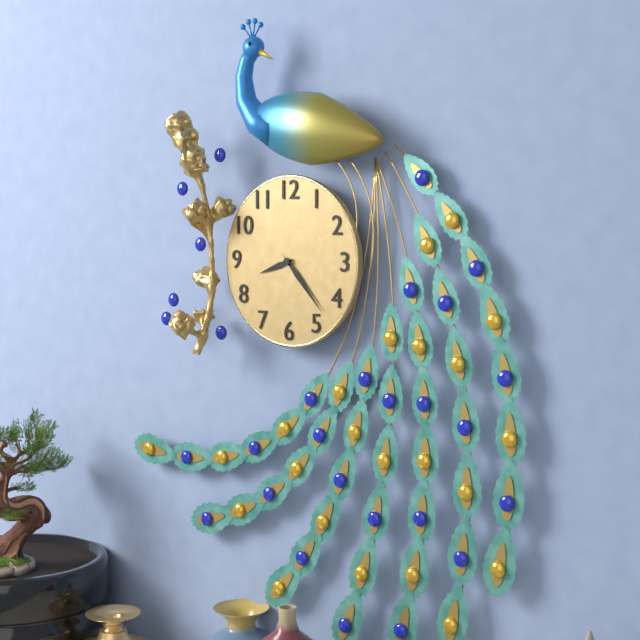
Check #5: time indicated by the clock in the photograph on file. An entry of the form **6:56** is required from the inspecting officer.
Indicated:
**8:23**
